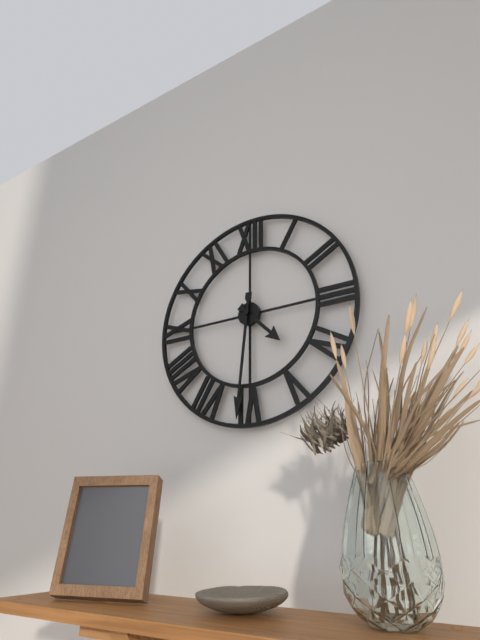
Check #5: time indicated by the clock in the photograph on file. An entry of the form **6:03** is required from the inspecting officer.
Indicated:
**4:31**
